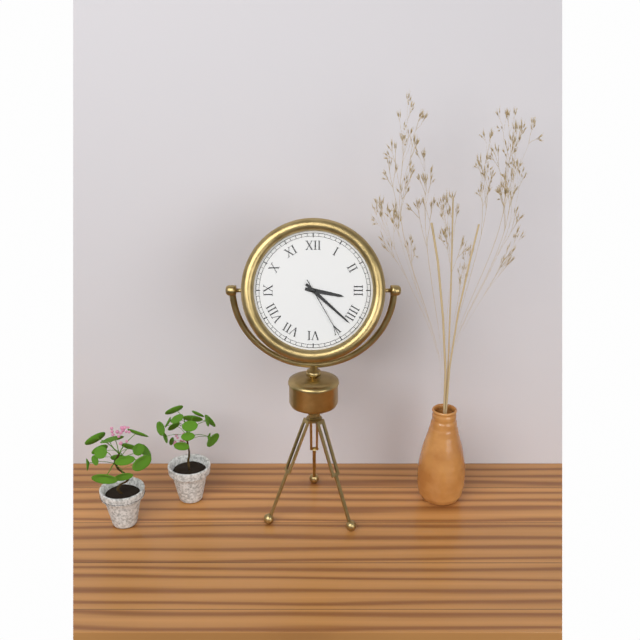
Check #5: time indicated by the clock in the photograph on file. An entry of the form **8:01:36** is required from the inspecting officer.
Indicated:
**3:22:25**
